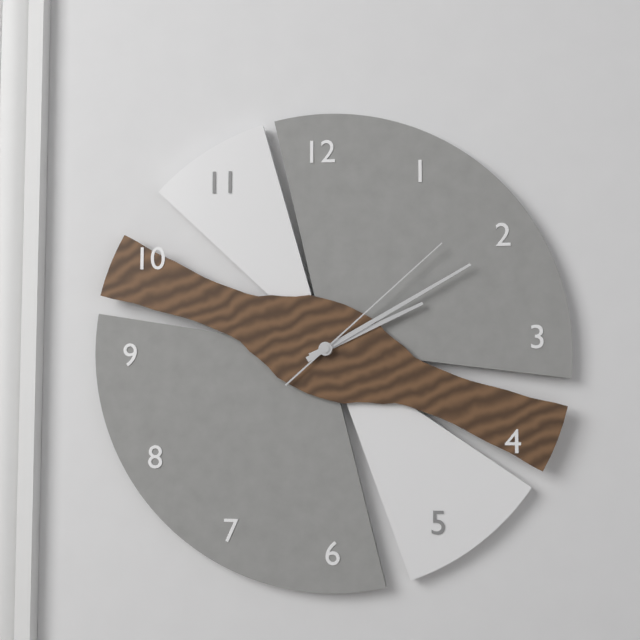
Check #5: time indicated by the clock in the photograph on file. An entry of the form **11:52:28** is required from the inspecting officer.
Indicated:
**2:10:08**
